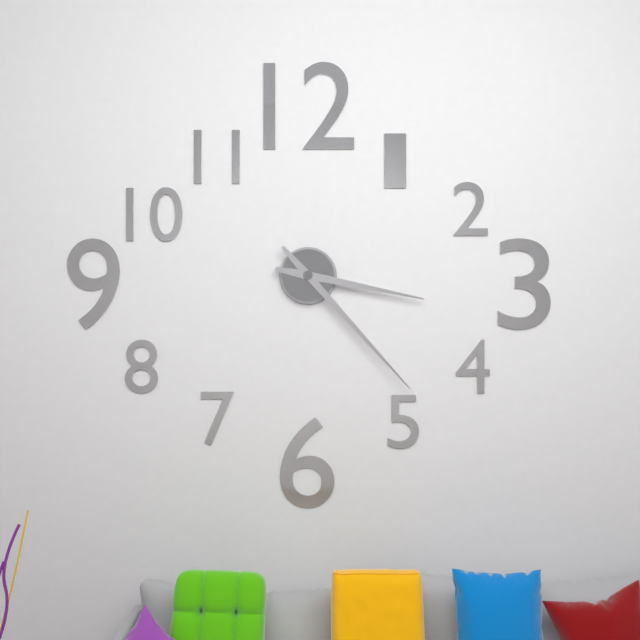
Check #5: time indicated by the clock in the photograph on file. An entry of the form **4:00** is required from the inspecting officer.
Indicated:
**3:23**
